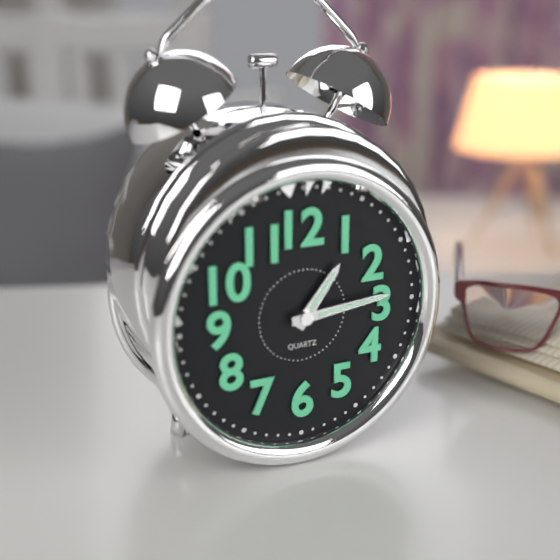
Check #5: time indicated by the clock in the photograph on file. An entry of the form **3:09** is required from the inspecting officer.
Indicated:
**1:14**
